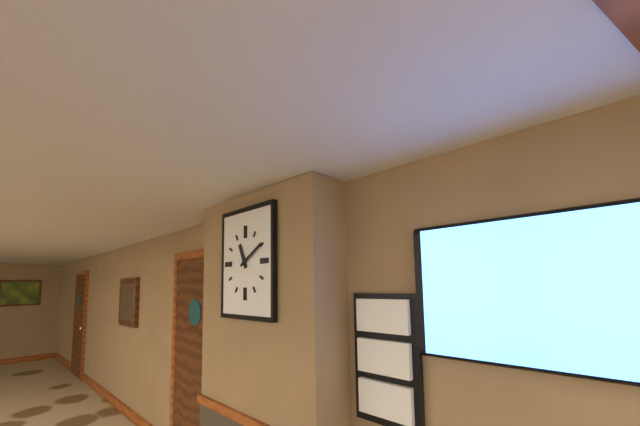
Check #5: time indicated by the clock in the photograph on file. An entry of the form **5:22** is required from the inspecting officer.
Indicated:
**11:10**
